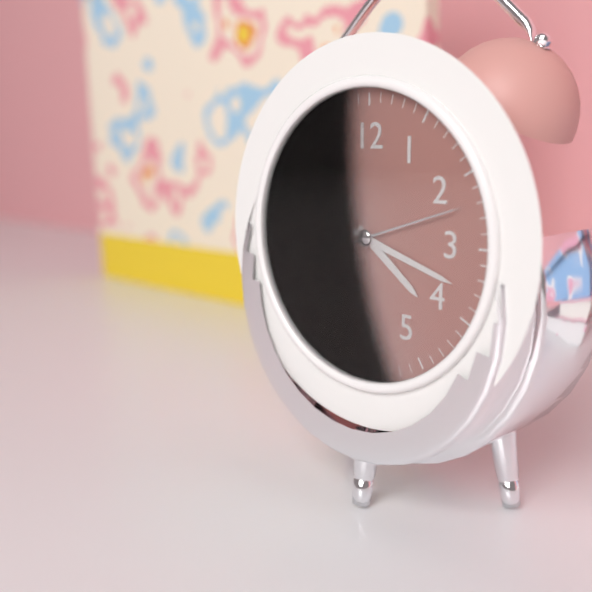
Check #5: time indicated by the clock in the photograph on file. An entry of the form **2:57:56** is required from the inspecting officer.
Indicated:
**4:18:12**
